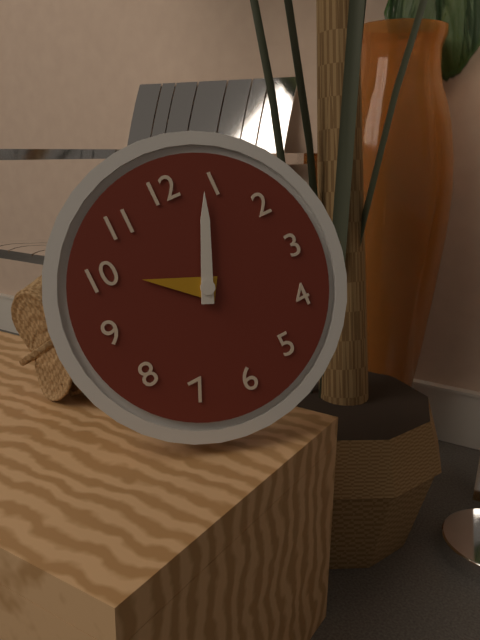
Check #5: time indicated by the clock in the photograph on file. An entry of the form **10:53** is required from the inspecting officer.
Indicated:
**10:04**
